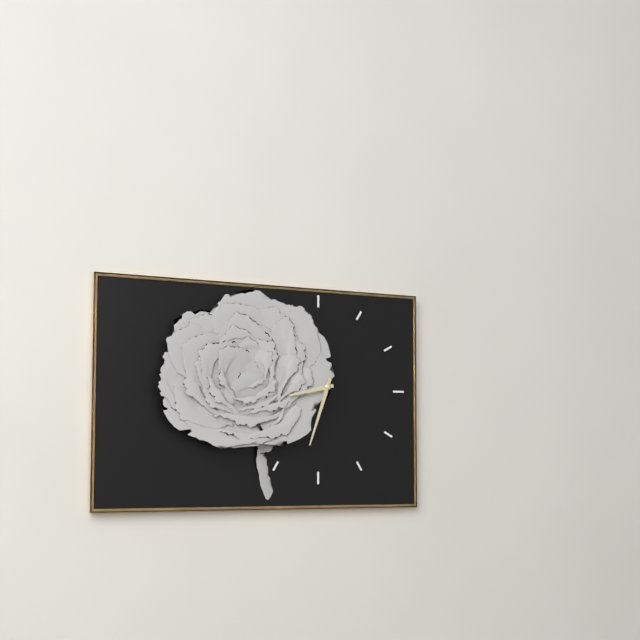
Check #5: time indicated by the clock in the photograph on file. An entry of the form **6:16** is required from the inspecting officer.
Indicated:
**8:33**
